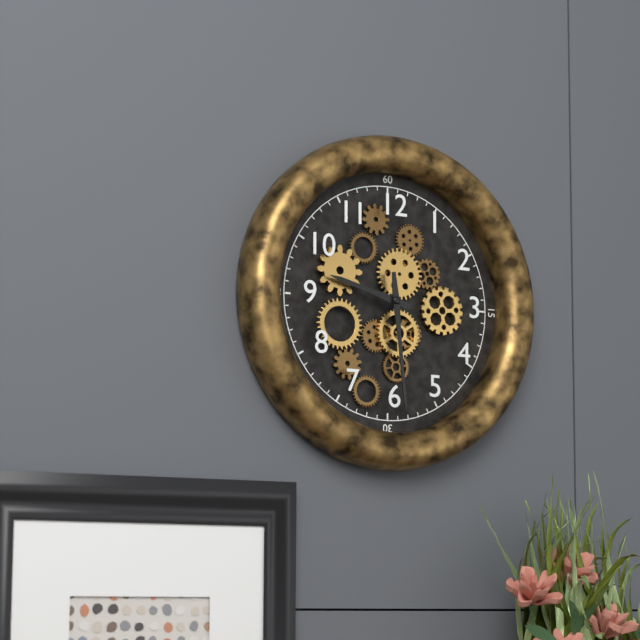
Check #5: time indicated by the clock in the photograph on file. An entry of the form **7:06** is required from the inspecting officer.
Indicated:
**9:29**
